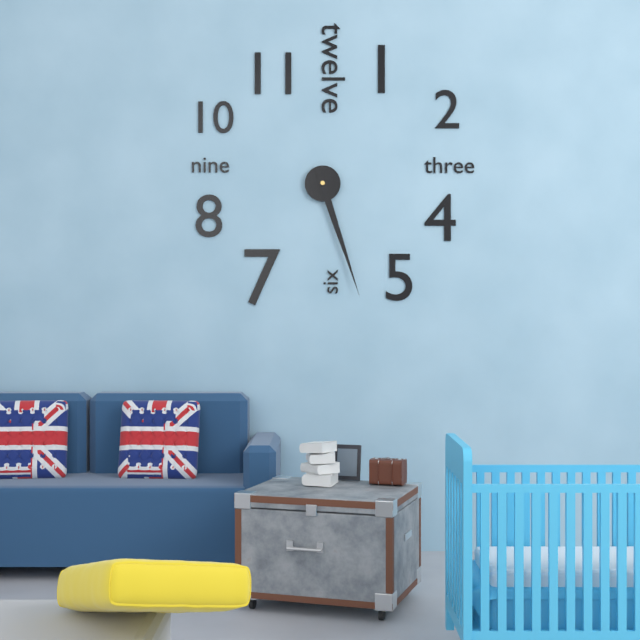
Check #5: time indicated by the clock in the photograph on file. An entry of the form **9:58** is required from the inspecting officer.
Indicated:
**5:27**
